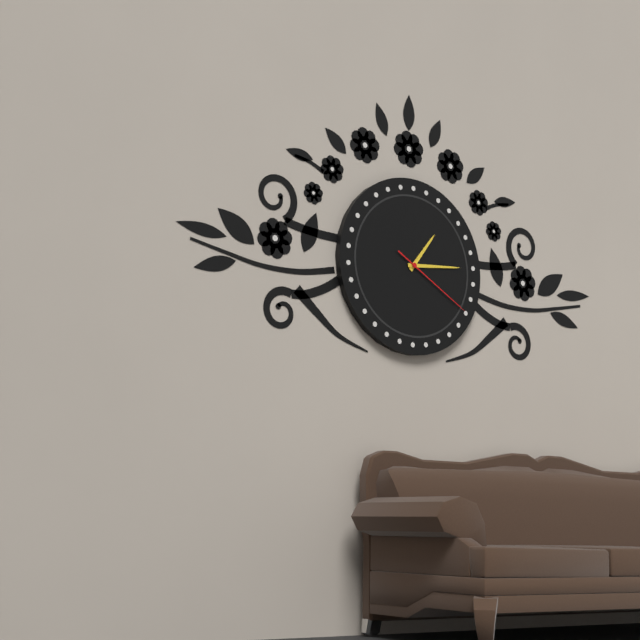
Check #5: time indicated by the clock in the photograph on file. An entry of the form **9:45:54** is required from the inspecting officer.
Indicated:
**1:14:20**
